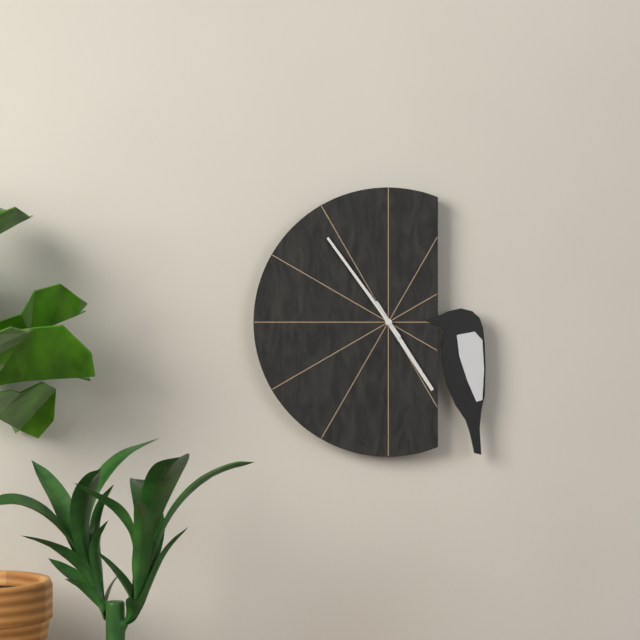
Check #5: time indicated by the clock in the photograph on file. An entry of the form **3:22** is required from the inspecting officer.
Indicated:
**4:54**
